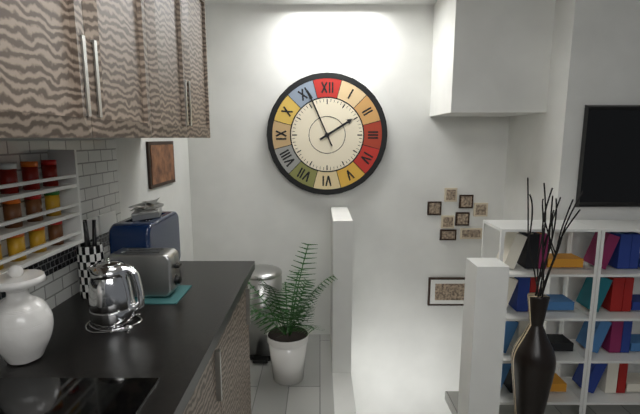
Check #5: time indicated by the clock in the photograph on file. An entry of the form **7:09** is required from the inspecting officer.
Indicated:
**1:56**
